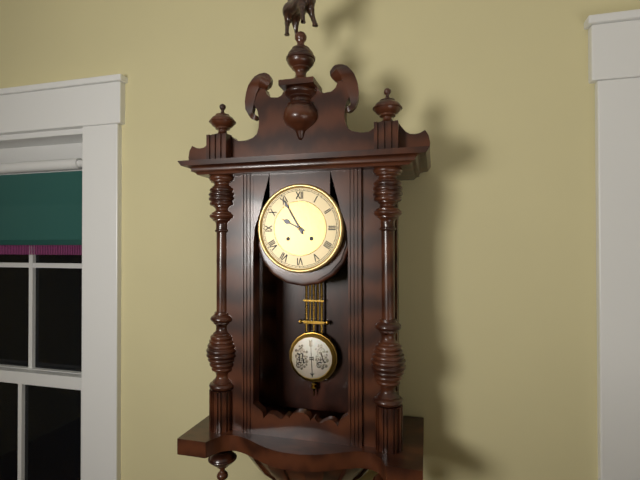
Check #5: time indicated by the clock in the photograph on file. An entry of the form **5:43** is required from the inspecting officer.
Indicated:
**9:55**
